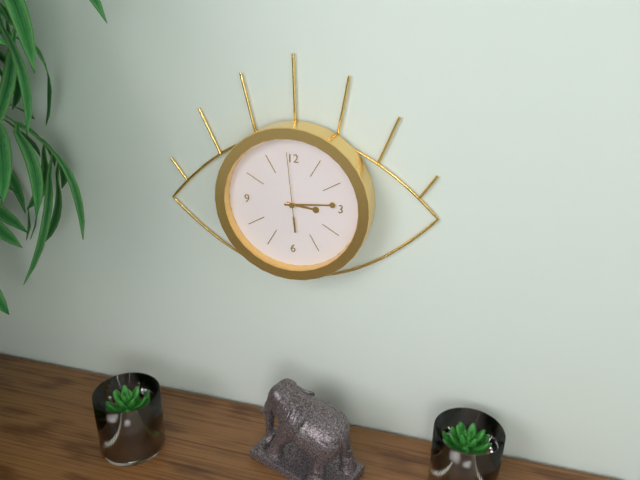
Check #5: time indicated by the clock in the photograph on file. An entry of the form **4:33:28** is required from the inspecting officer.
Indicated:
**3:14:59**
